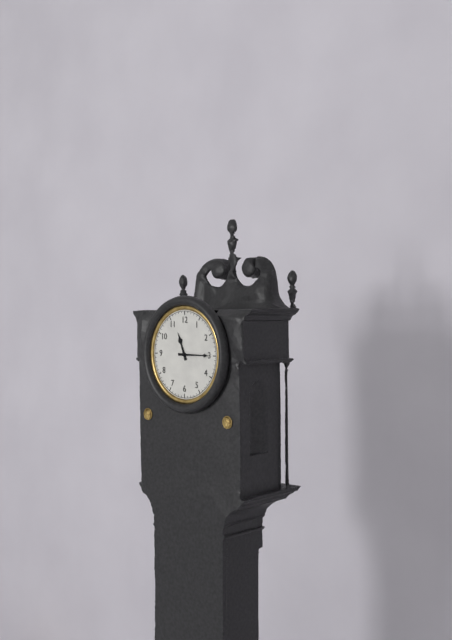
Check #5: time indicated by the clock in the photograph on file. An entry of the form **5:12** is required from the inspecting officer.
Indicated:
**11:15**
